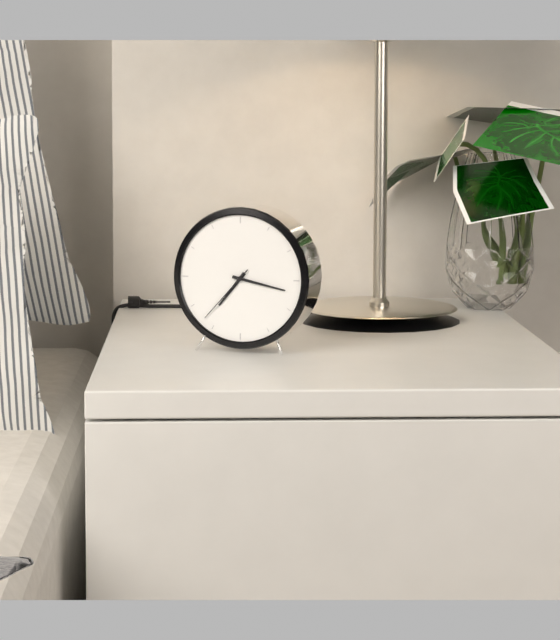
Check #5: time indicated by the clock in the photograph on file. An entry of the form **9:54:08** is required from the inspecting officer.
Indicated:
**7:17:37**
